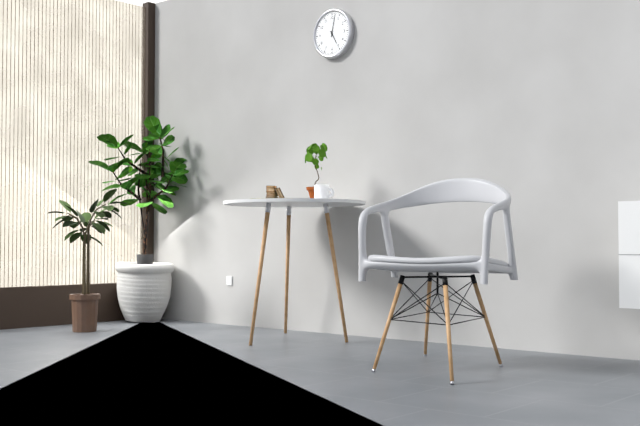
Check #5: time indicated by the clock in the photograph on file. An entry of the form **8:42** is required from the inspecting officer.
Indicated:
**5:02**
